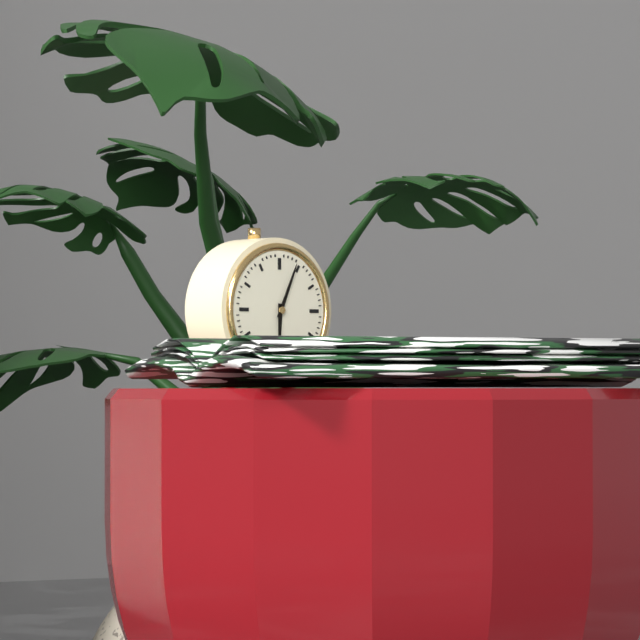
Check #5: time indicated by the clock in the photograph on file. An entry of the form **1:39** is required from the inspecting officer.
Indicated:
**6:04**
